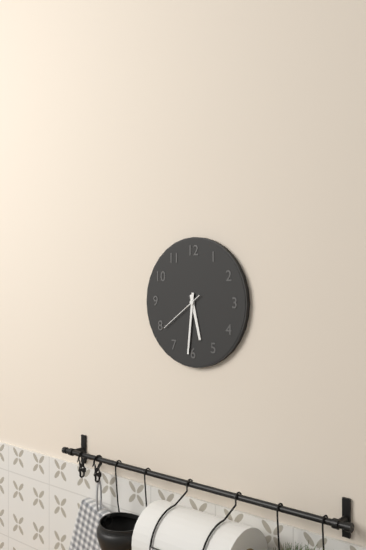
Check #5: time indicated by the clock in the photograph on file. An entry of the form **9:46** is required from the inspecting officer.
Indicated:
**5:31**
